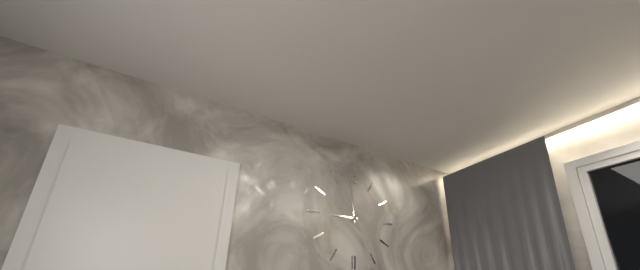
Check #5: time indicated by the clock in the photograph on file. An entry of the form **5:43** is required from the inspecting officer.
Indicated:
**8:59**
